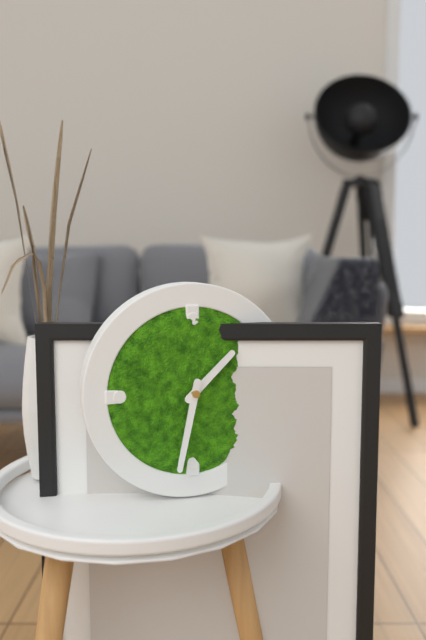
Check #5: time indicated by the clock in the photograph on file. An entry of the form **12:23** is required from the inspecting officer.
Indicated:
**1:32**
